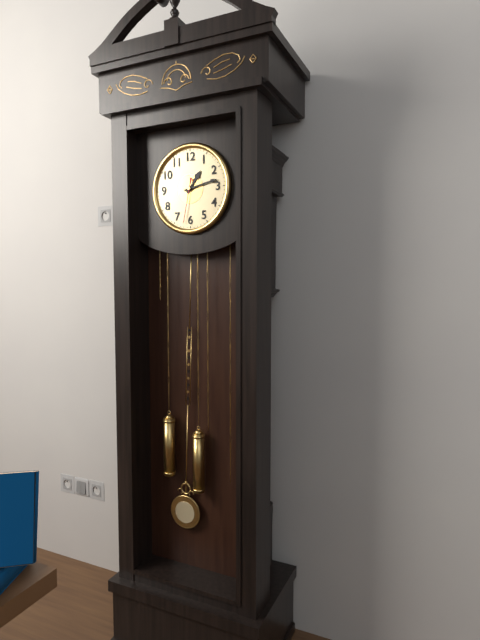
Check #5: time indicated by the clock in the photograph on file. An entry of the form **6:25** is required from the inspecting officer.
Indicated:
**1:13**
